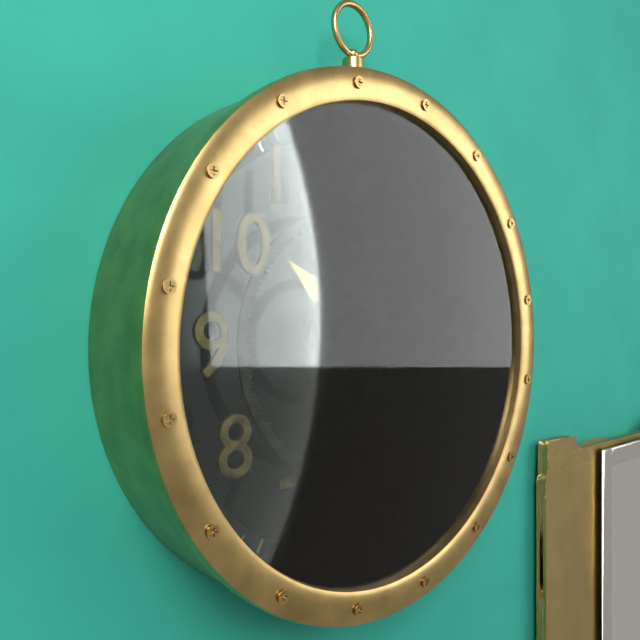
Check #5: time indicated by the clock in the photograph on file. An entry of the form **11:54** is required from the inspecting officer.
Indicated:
**10:15**
